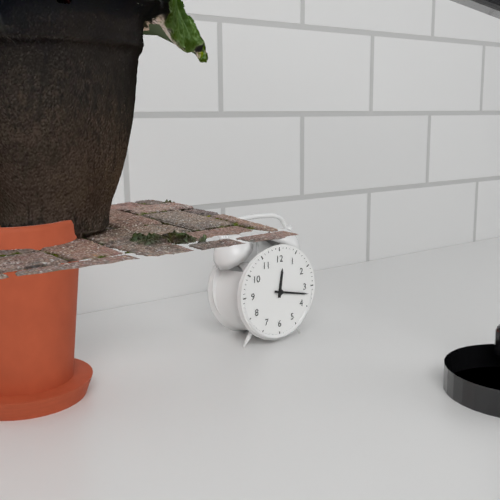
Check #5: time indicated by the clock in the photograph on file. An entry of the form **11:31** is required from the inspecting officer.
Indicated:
**12:17**
